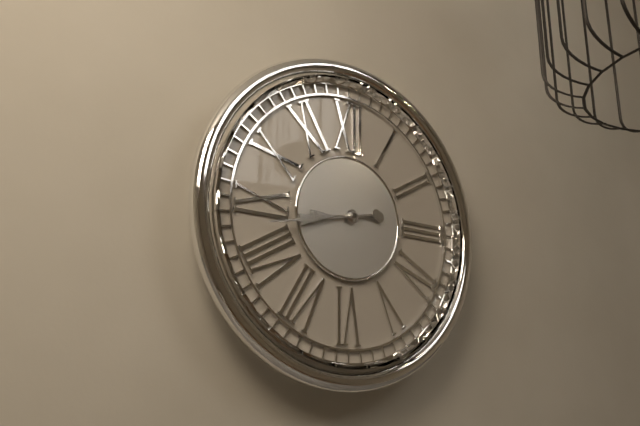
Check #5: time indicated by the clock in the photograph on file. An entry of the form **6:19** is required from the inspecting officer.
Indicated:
**8:43**
